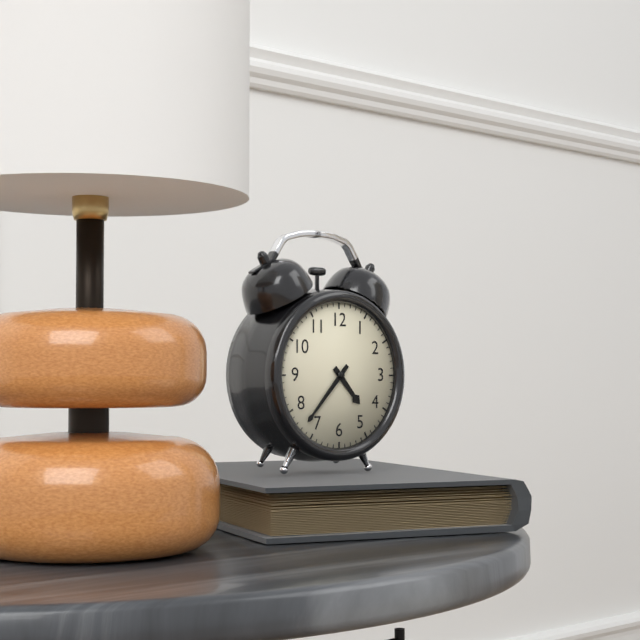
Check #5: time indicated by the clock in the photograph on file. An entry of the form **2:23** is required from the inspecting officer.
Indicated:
**4:37**
